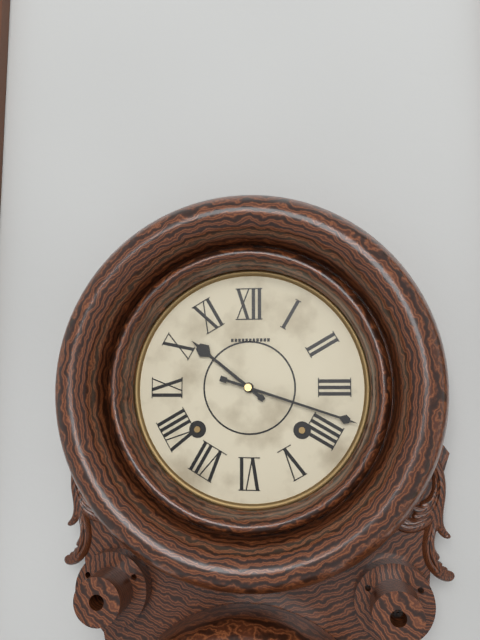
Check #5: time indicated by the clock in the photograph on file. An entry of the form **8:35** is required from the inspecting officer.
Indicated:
**10:18**
